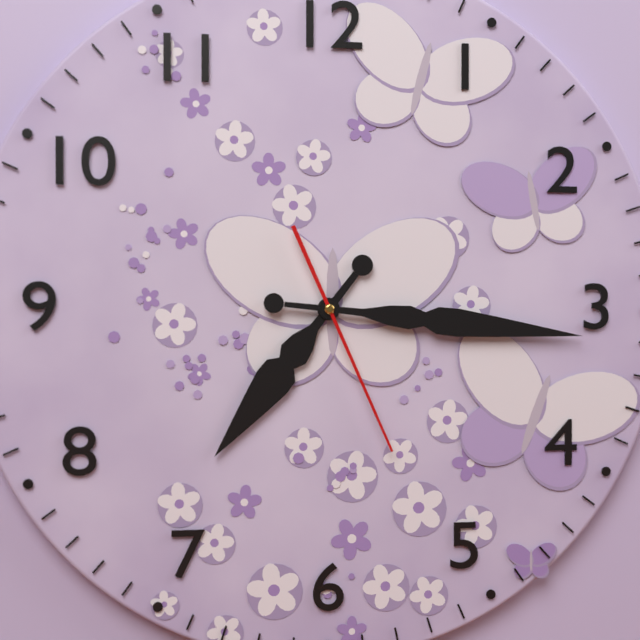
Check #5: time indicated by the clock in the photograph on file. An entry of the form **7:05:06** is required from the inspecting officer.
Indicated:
**7:16:26**
